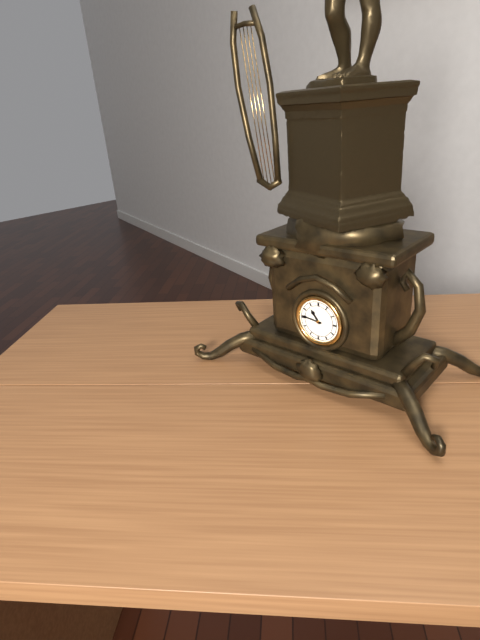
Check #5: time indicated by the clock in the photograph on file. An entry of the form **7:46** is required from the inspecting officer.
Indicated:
**10:46**
